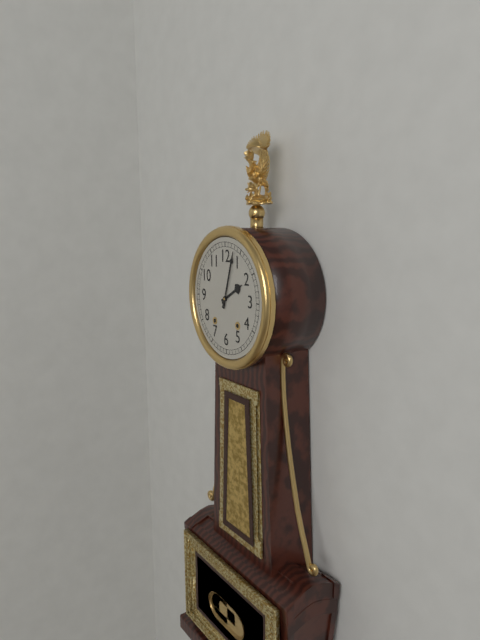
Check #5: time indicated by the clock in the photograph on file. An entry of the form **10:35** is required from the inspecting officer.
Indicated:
**2:03**
